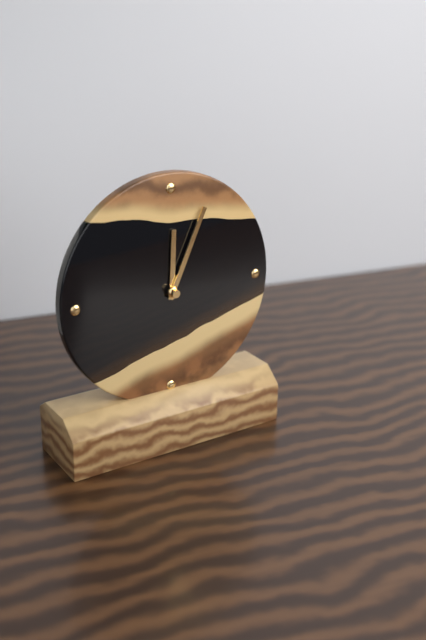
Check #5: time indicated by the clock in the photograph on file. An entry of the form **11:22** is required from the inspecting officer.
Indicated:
**12:04**
